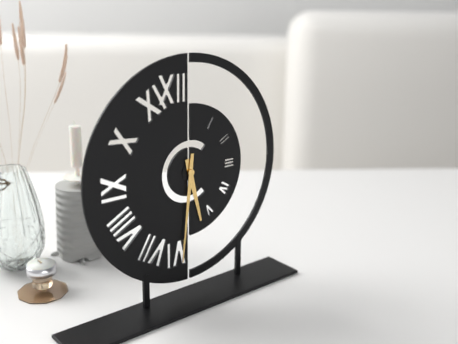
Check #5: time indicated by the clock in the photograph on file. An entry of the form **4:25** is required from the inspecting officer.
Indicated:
**5:31**
